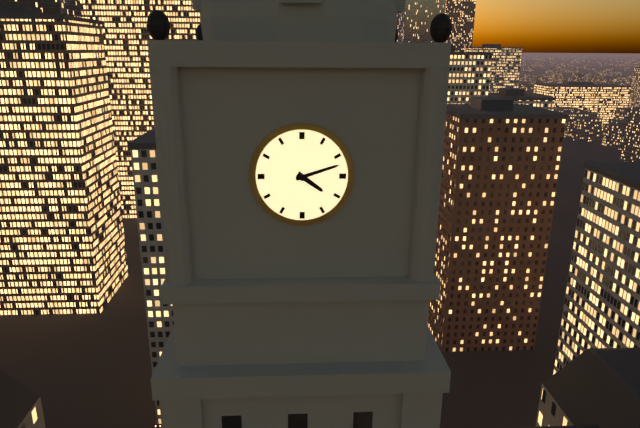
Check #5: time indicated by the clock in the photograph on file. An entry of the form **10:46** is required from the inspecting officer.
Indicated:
**4:12**
